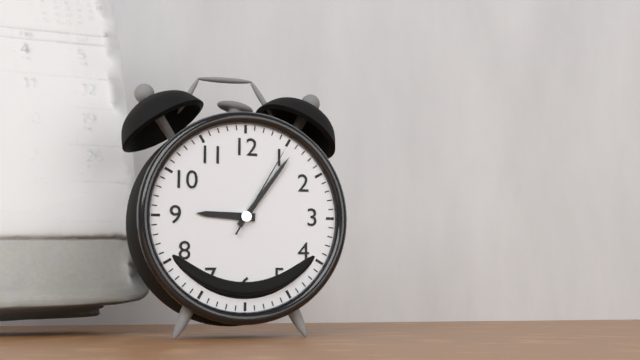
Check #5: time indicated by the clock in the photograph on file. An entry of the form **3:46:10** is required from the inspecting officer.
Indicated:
**9:06:05**
